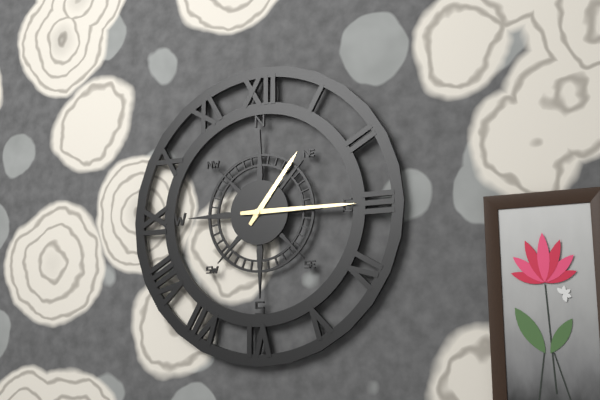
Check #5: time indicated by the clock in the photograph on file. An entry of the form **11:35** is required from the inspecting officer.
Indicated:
**1:15**
